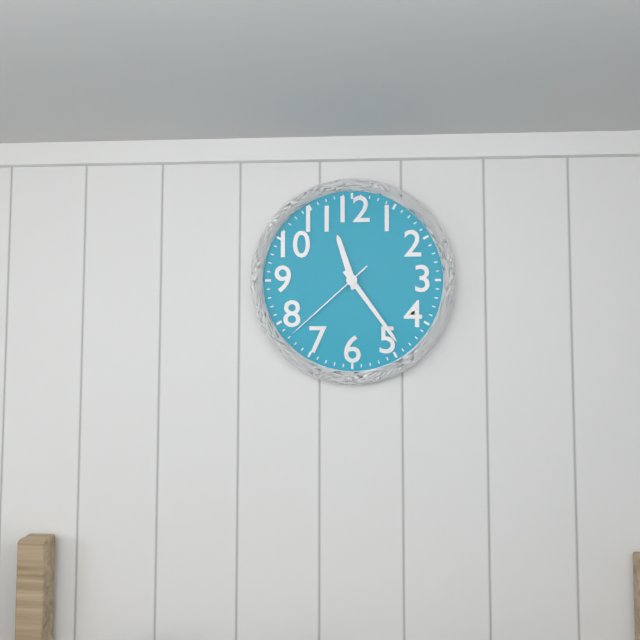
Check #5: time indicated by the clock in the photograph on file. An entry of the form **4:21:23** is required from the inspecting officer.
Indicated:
**11:24:38**
